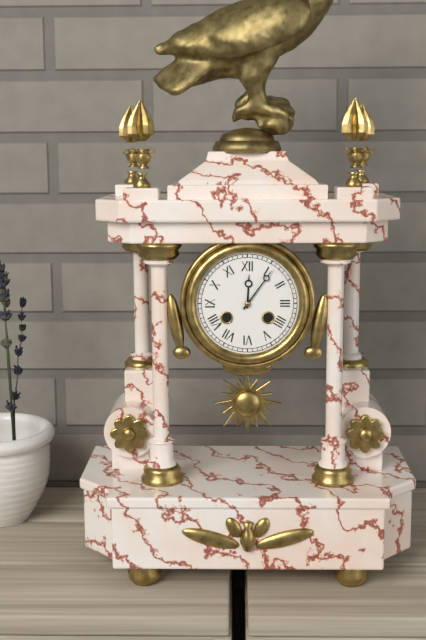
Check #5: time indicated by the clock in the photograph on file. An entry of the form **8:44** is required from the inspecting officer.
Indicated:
**12:06**
